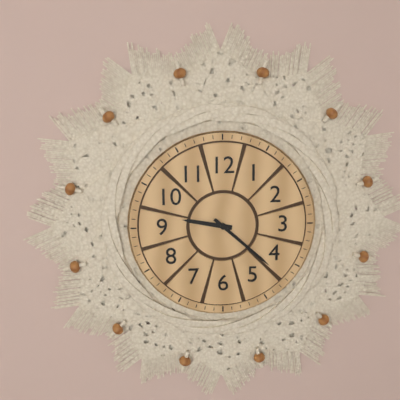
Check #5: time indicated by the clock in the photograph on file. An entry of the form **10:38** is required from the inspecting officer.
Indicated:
**9:22**
